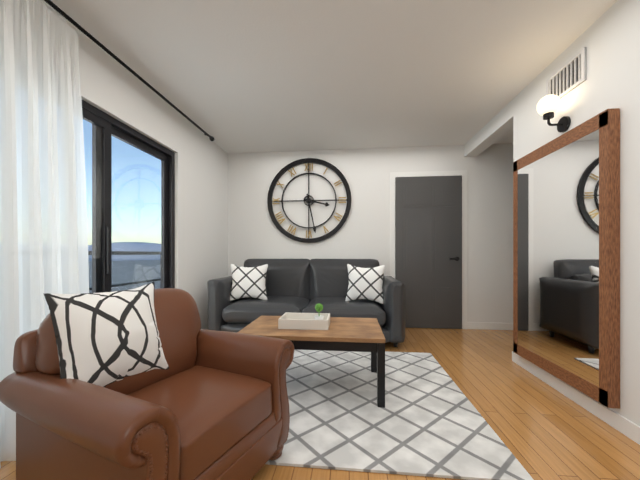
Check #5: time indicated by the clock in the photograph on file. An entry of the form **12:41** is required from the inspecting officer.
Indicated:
**3:28**
